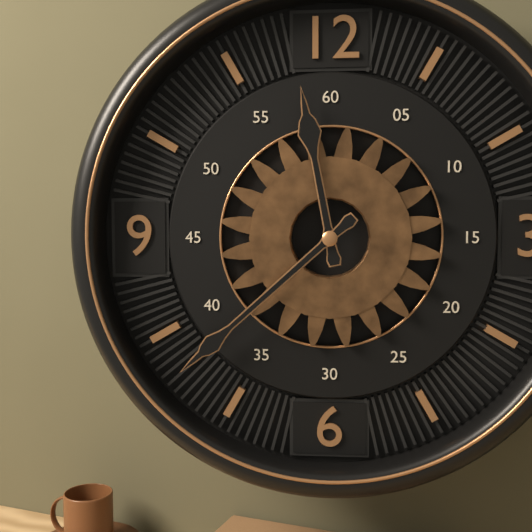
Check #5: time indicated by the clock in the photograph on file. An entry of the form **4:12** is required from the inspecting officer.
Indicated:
**11:38**
